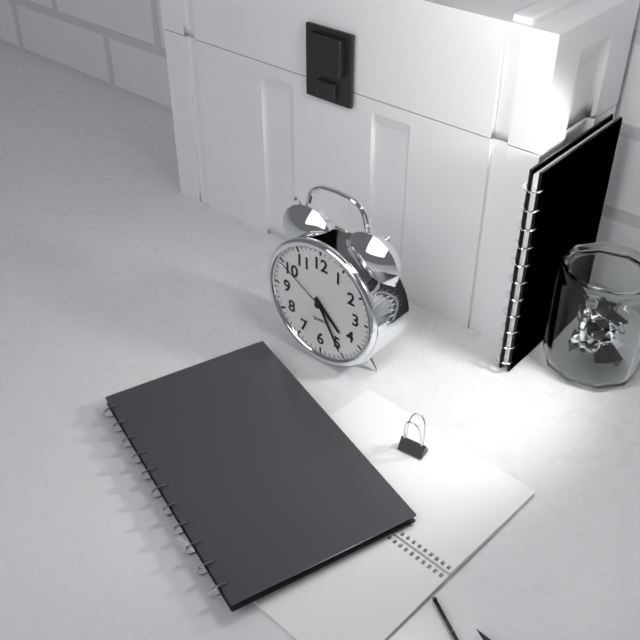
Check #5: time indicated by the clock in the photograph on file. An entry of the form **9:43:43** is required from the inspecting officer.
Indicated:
**4:25:50**
